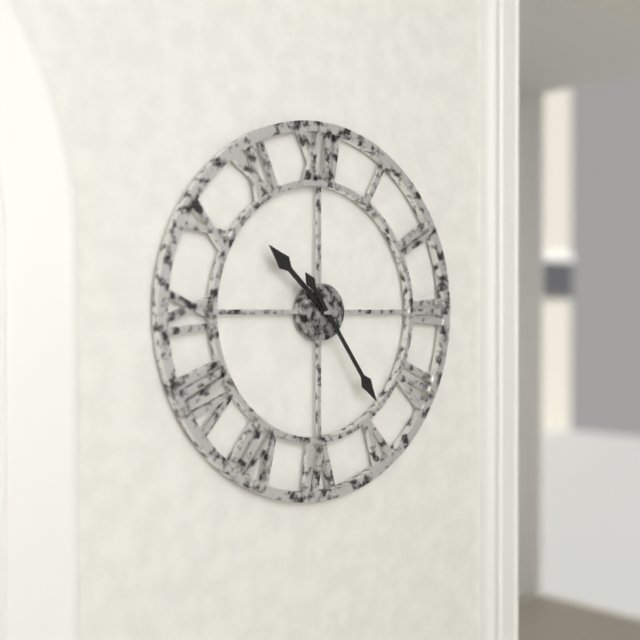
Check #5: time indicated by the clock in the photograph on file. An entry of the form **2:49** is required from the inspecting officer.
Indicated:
**10:24**
